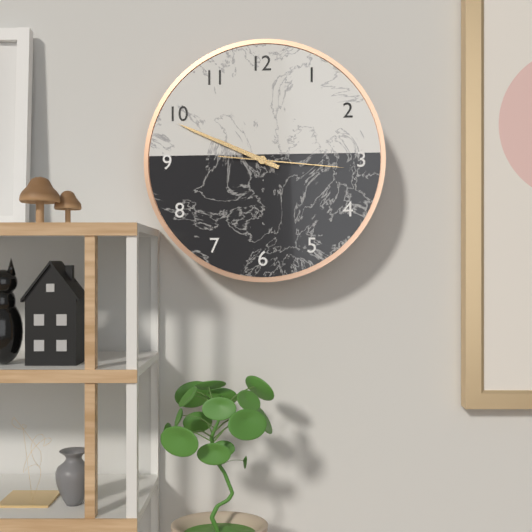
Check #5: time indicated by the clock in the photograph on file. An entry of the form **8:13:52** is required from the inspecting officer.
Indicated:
**9:49:16**
